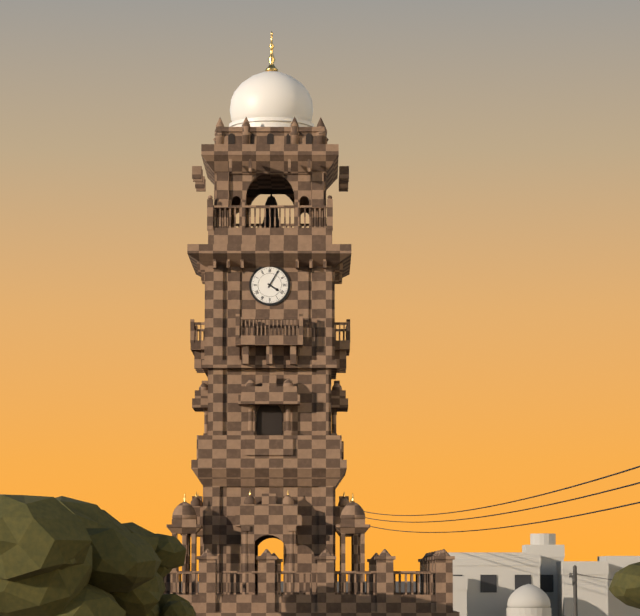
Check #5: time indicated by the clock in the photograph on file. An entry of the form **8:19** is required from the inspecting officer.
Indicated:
**4:05**
